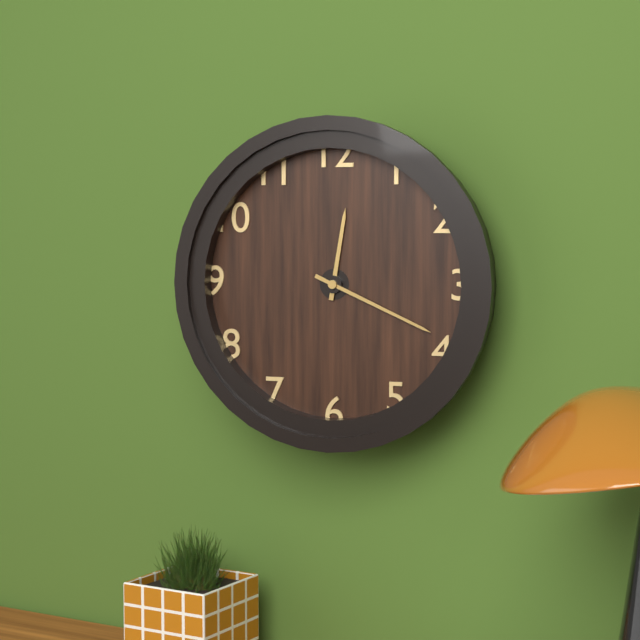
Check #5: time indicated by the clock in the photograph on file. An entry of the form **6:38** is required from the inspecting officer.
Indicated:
**12:19**
